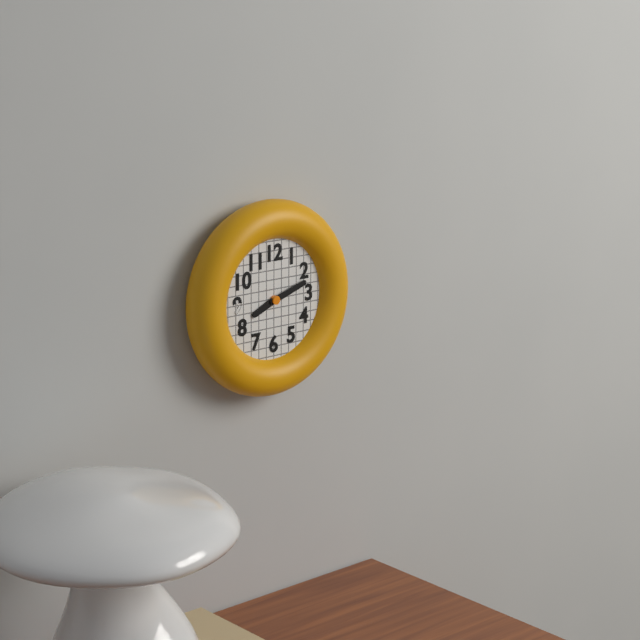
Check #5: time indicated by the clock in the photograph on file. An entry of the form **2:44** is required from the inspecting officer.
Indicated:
**8:12**
